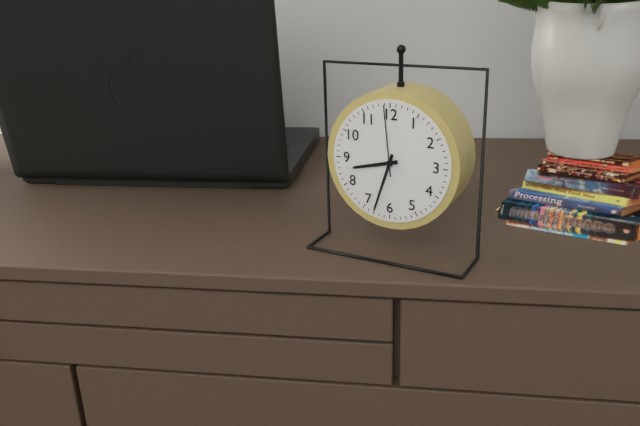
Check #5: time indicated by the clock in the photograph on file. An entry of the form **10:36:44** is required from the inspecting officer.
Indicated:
**8:33:59**
